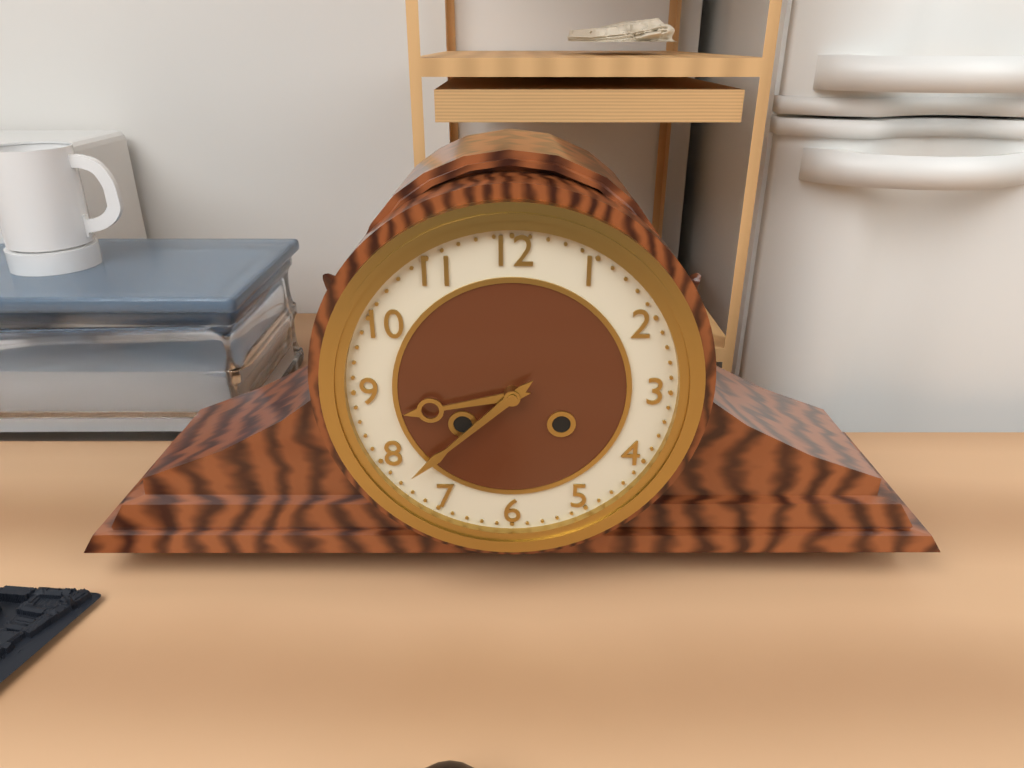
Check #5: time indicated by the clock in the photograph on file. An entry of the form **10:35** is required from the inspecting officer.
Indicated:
**8:38**
